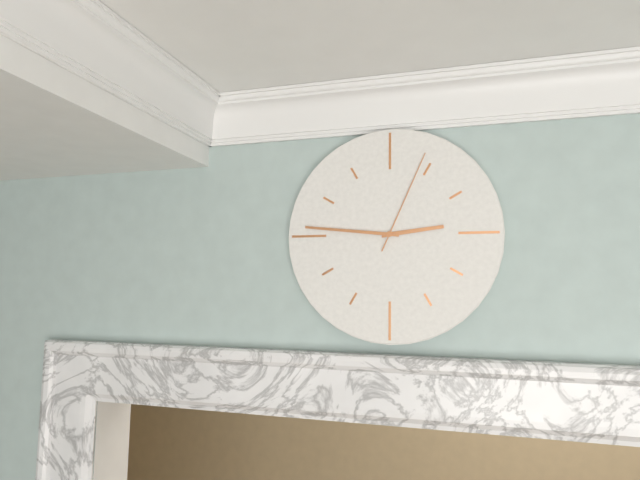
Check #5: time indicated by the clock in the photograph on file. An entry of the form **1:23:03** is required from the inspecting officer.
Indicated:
**2:46:04**
